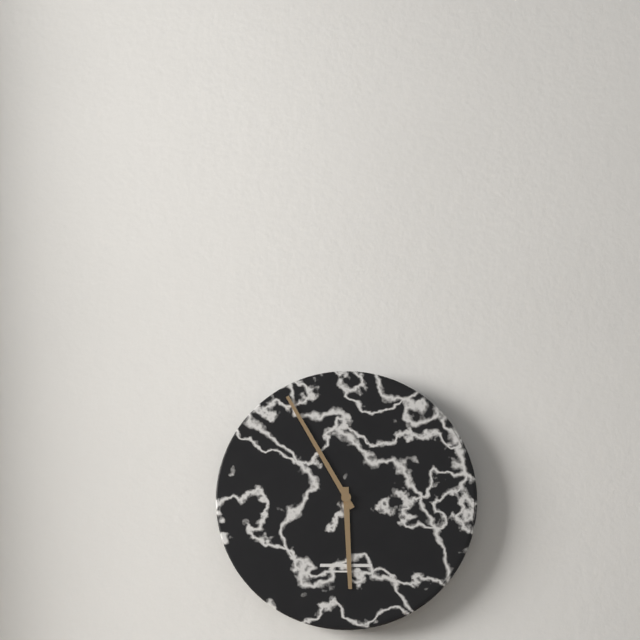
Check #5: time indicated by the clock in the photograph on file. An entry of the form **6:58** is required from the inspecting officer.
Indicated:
**5:55**
